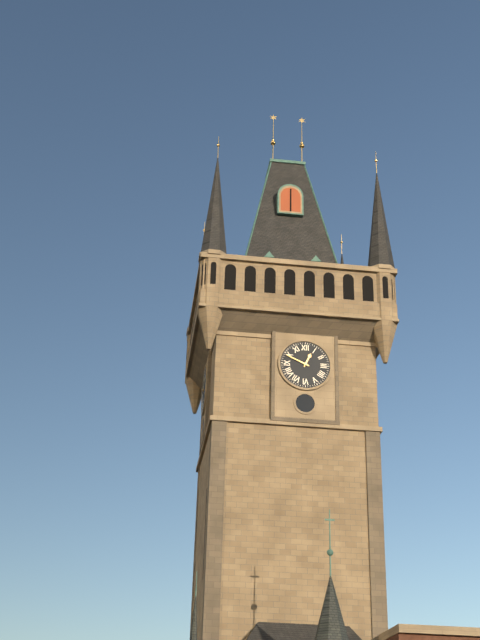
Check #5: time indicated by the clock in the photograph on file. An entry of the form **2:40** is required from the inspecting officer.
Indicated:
**12:49**
